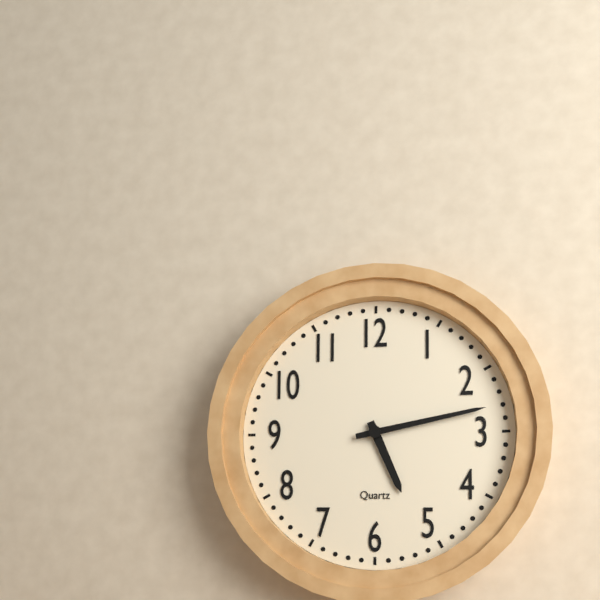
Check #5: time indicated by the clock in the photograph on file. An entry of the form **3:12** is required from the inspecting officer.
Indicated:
**5:13**
